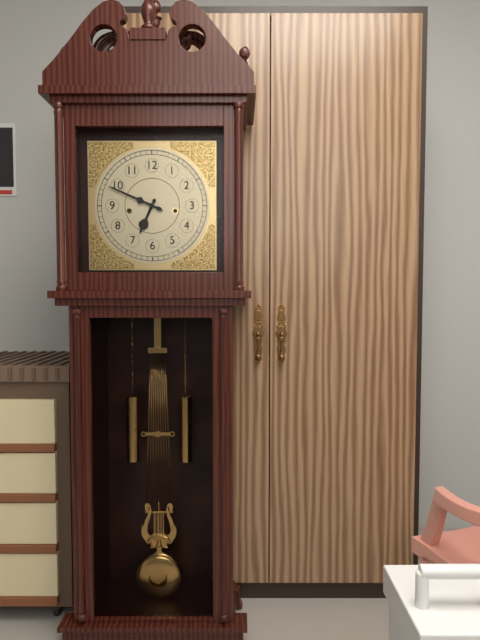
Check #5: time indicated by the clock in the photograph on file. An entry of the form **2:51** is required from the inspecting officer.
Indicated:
**6:49**
